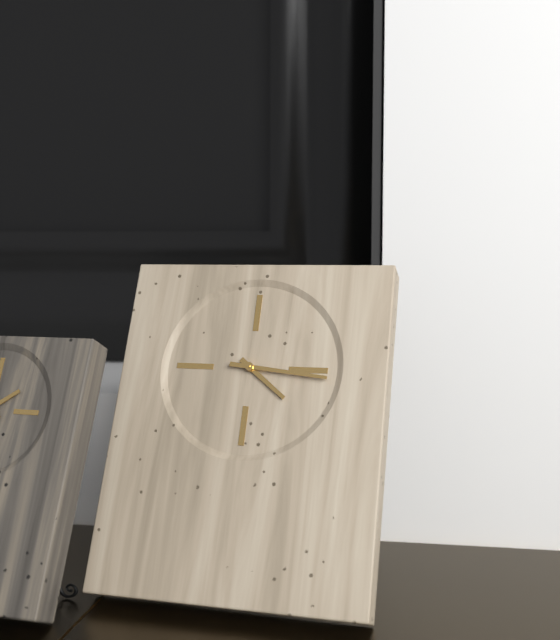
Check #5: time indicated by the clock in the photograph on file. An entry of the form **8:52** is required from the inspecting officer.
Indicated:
**4:16**
